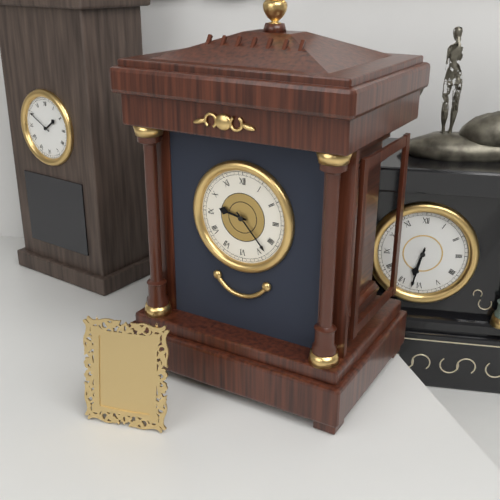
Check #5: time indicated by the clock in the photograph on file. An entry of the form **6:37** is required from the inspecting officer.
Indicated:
**9:23**
